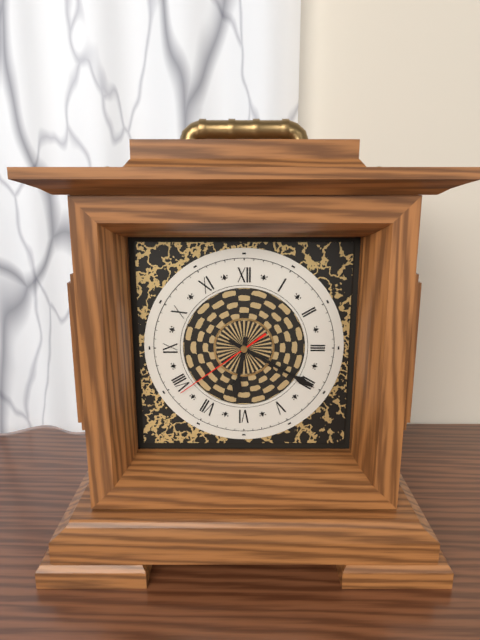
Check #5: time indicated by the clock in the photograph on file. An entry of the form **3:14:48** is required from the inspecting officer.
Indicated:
**6:20:39**
